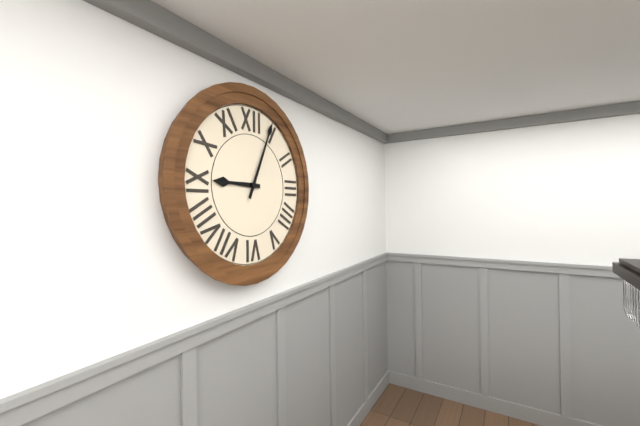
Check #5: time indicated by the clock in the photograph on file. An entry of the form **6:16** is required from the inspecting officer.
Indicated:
**9:04**
